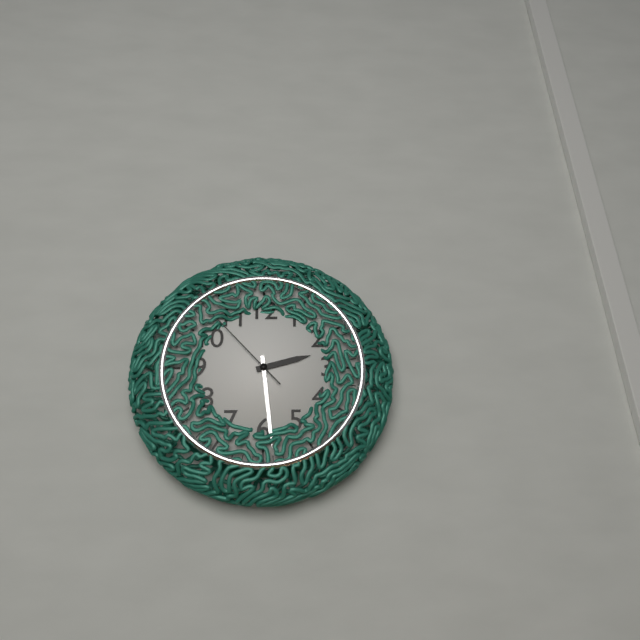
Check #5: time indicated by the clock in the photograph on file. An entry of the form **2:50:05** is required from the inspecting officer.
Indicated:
**2:29:53**
